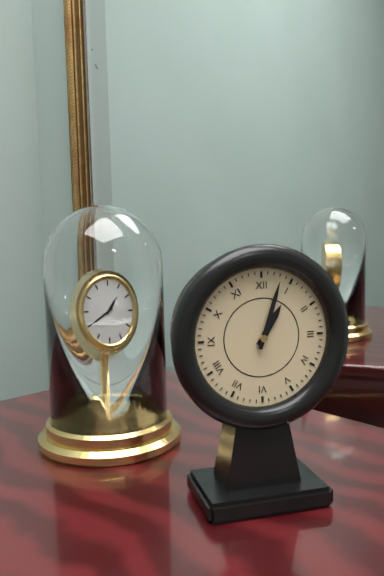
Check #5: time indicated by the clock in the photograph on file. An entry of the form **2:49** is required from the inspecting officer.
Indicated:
**1:03**
